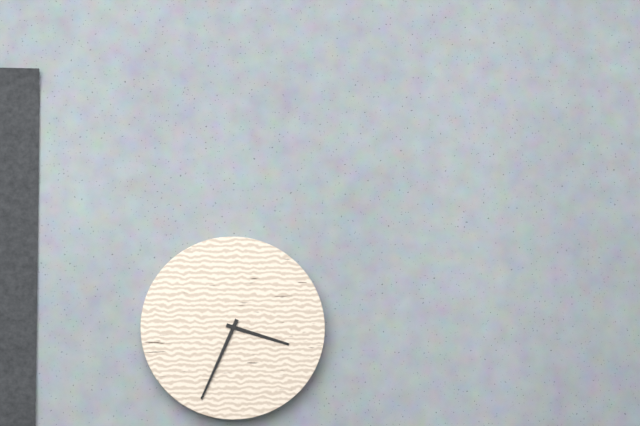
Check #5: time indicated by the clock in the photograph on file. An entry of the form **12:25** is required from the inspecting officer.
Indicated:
**3:34**
